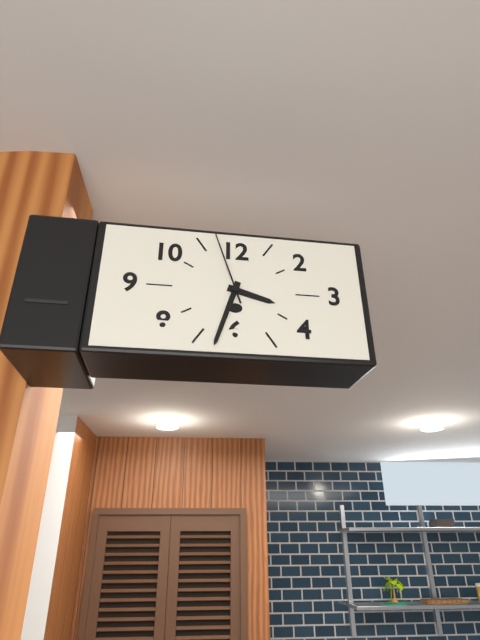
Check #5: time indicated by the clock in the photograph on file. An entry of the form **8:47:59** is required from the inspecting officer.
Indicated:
**3:33:57**
